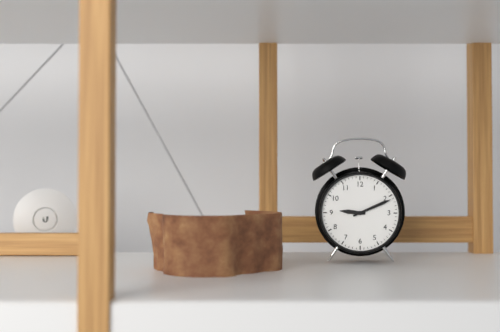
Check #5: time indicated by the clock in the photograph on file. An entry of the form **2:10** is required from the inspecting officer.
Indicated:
**9:11**
